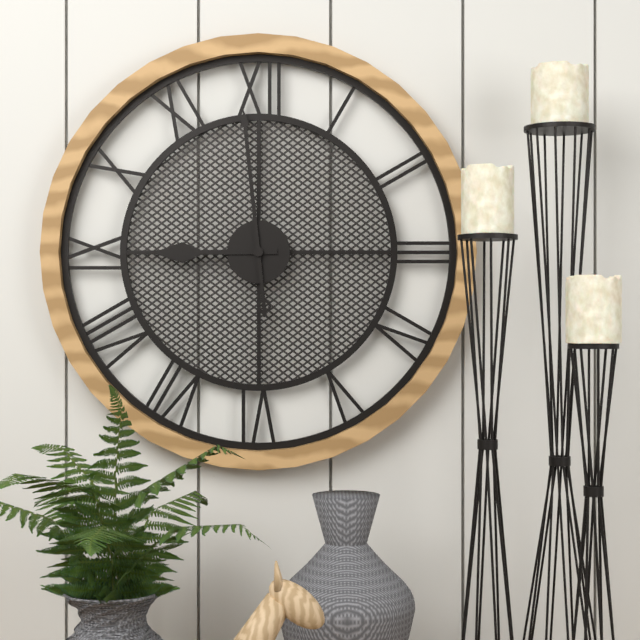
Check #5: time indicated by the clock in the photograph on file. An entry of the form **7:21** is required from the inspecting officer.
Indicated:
**8:59**
